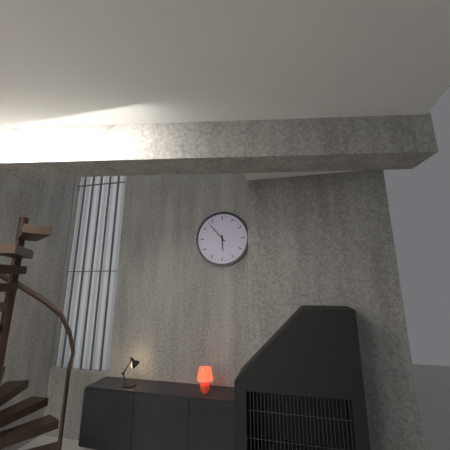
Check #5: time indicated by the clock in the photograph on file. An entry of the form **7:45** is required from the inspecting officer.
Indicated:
**5:53**
